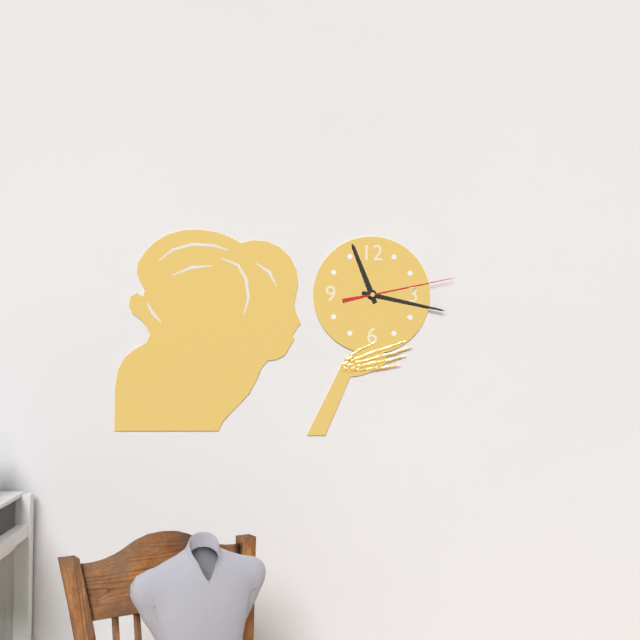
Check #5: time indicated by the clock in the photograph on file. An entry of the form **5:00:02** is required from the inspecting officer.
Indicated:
**11:17:13**
